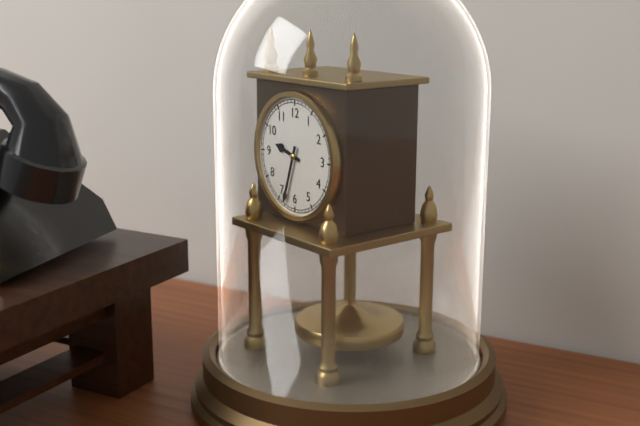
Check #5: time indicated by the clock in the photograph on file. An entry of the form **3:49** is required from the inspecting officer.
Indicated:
**9:33**
